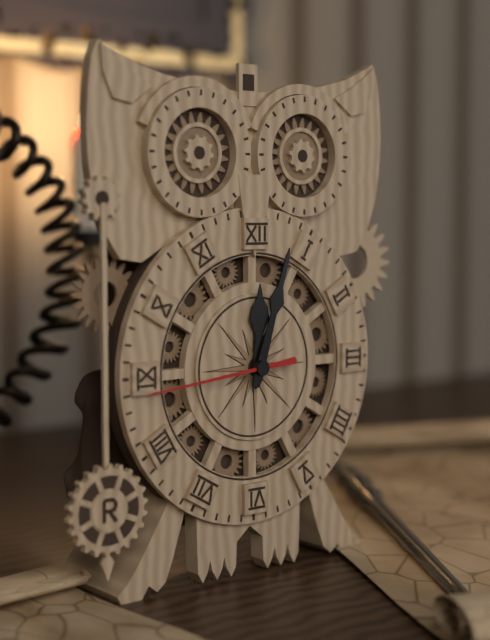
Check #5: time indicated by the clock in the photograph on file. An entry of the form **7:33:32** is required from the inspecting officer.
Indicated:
**12:03:44**
